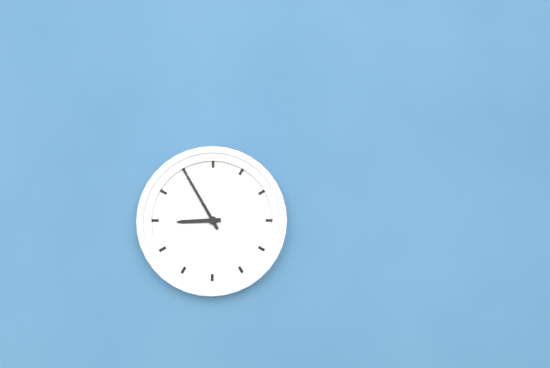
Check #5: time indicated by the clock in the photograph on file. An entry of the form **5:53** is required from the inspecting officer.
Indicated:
**8:55**
